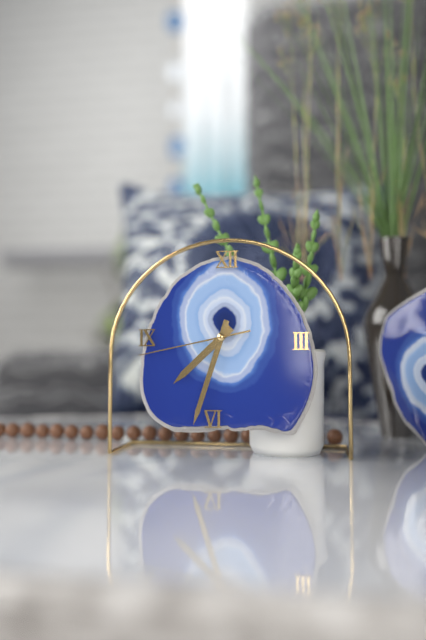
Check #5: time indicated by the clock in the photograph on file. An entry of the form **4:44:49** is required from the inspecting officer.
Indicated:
**7:33:43**
